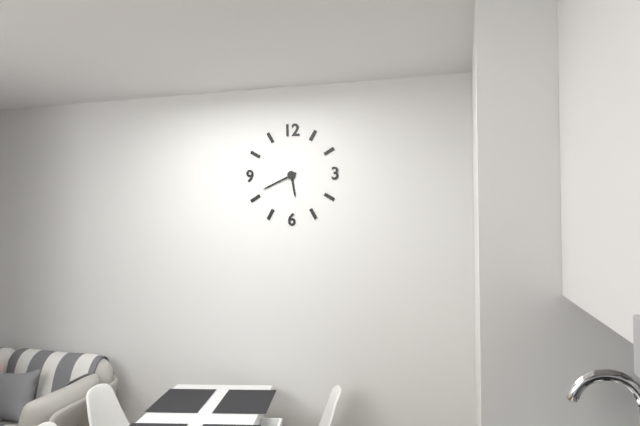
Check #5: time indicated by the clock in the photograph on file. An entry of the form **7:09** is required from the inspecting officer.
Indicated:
**5:41**
